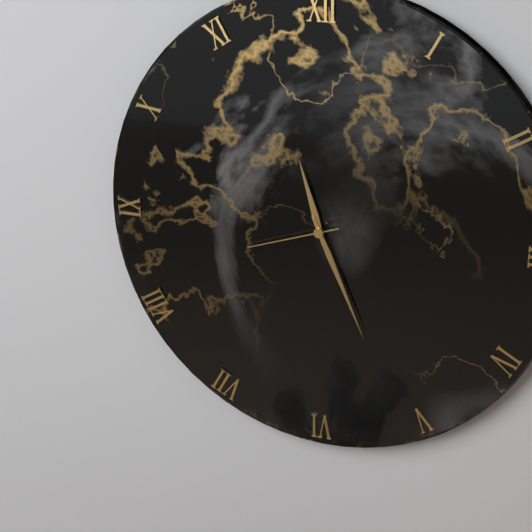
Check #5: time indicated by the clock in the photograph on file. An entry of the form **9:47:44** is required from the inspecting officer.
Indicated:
**11:26:42**
